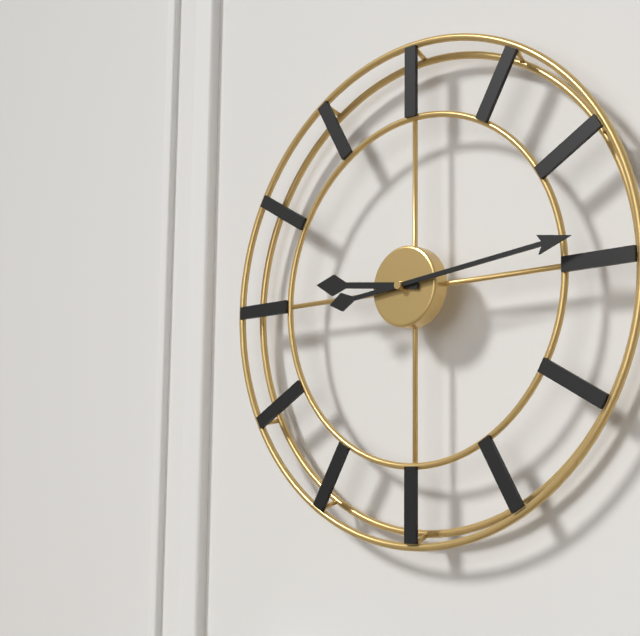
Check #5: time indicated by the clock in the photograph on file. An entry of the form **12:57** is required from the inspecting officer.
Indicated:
**9:14**
